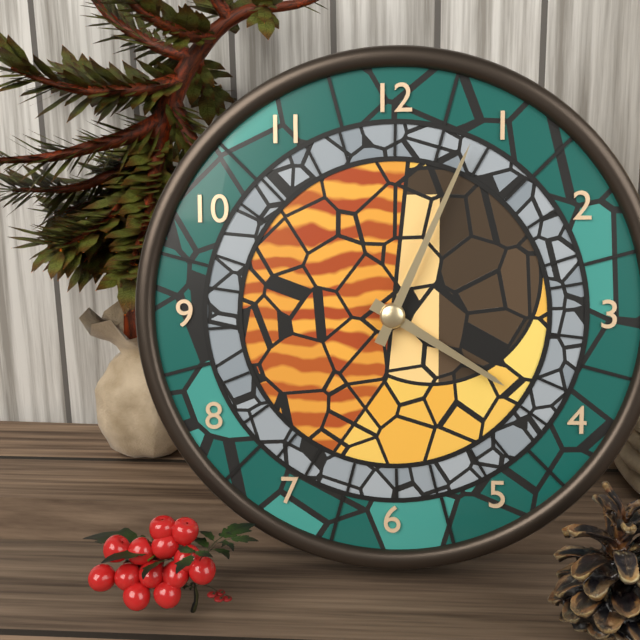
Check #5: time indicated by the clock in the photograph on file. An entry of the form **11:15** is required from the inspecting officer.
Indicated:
**4:04**
